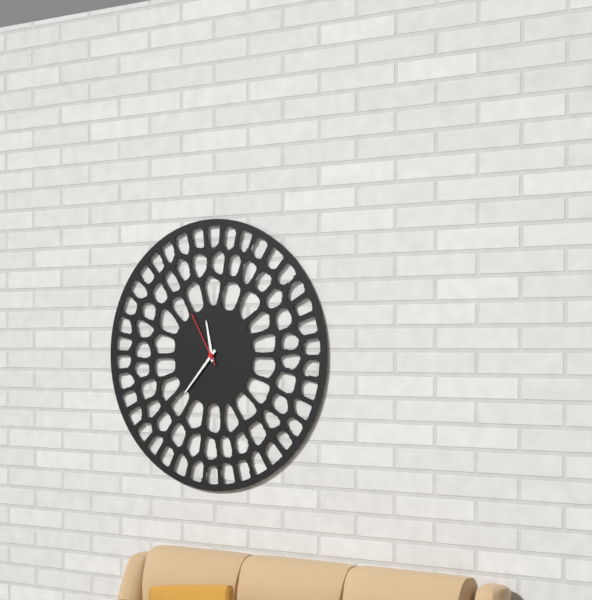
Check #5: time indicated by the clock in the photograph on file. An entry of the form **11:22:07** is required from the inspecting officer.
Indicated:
**11:37:55**
